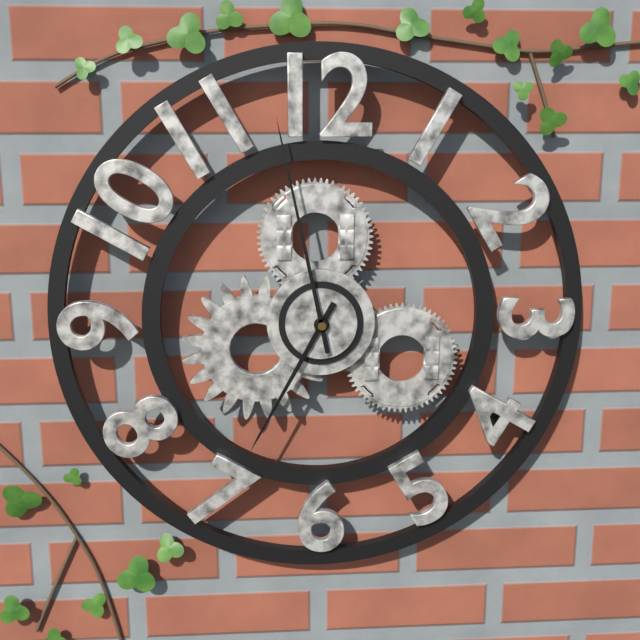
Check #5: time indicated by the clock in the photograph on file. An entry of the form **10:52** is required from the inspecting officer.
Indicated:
**6:58**
